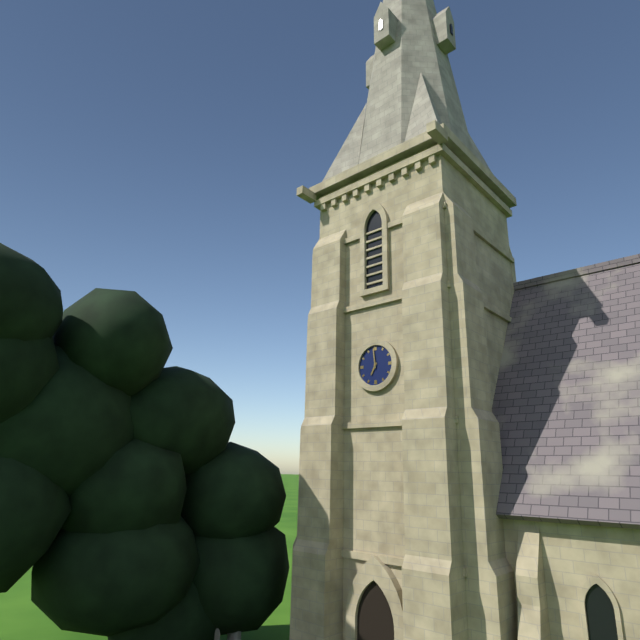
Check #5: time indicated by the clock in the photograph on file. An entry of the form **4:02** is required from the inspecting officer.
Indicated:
**6:59**
